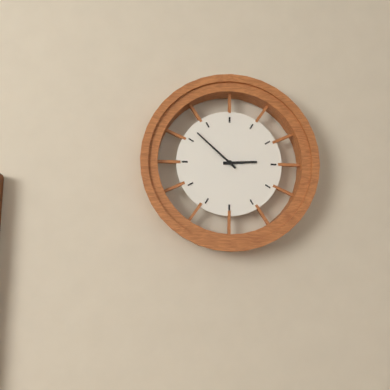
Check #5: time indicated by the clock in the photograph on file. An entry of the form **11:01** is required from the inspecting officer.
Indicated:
**2:52**
